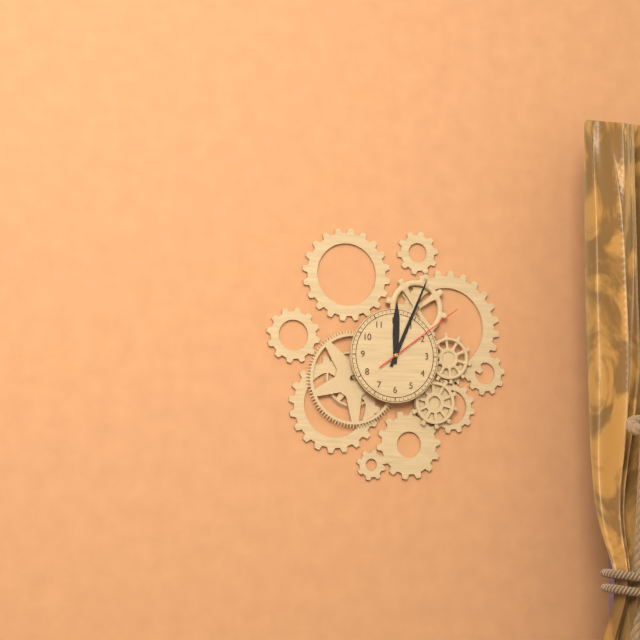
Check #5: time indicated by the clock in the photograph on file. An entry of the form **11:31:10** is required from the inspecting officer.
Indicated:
**12:04:09**
